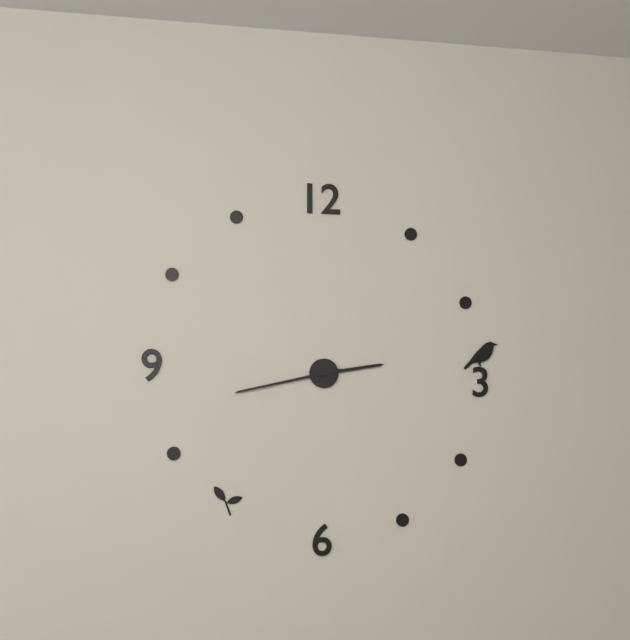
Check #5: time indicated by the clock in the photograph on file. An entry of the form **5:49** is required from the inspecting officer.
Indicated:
**2:43**
